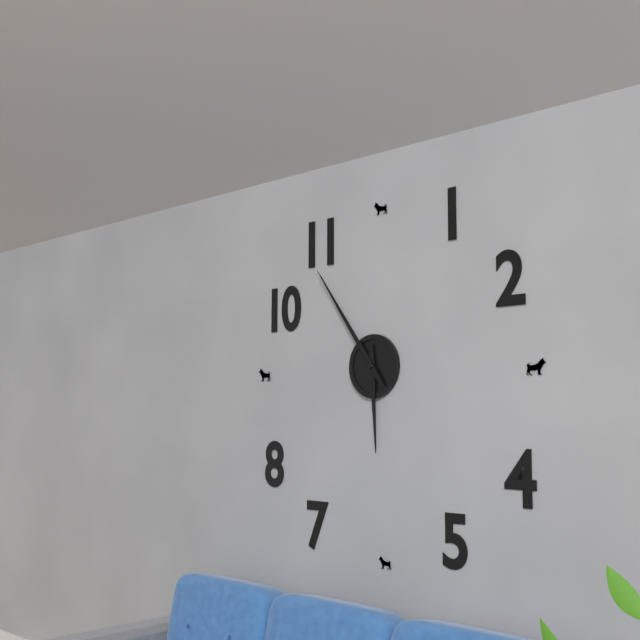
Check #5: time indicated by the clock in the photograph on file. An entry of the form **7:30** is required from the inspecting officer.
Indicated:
**5:54**
